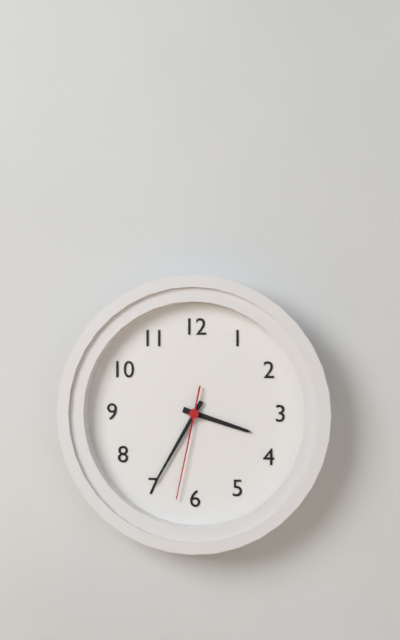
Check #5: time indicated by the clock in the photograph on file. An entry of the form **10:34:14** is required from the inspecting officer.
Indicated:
**3:35:32**
